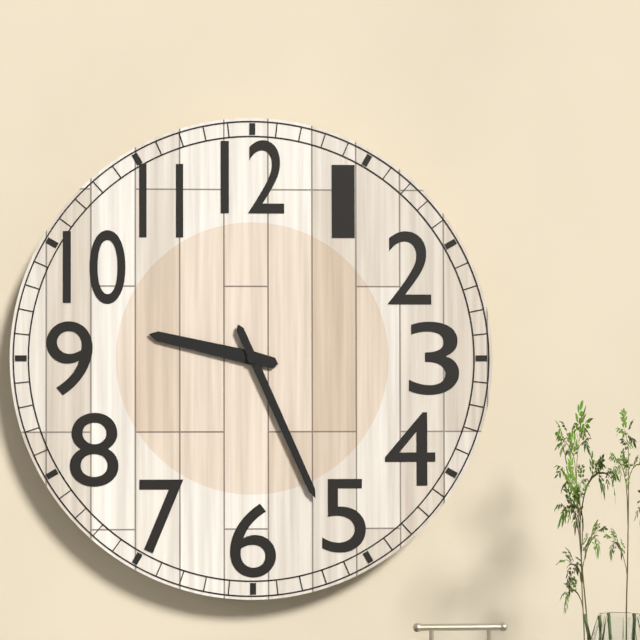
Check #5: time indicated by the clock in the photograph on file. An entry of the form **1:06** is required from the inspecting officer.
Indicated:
**9:26**
